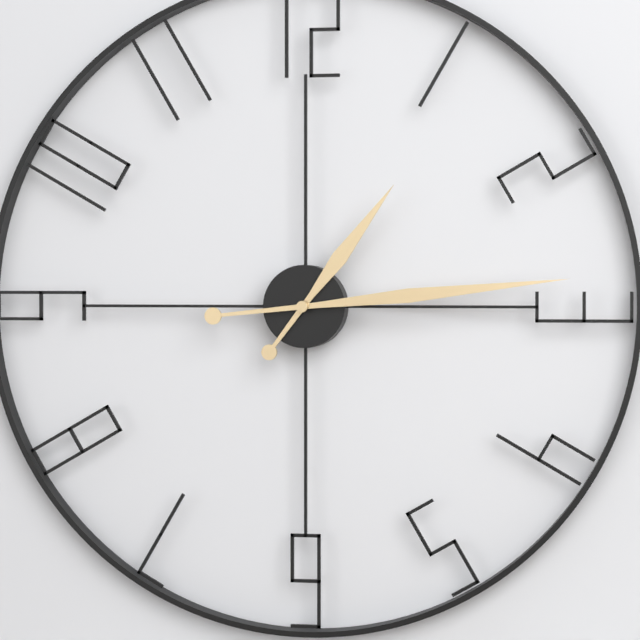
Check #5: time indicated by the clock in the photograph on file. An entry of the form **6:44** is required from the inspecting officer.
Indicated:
**1:14**
